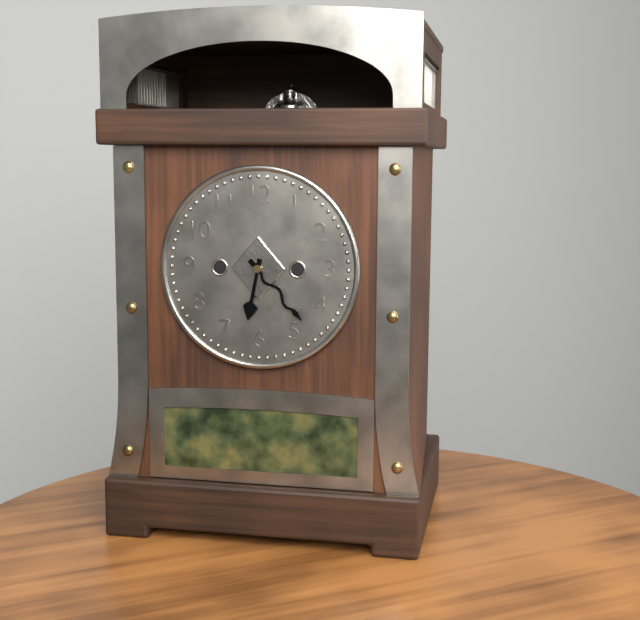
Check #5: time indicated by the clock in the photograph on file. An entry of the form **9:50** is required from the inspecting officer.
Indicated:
**6:23**
